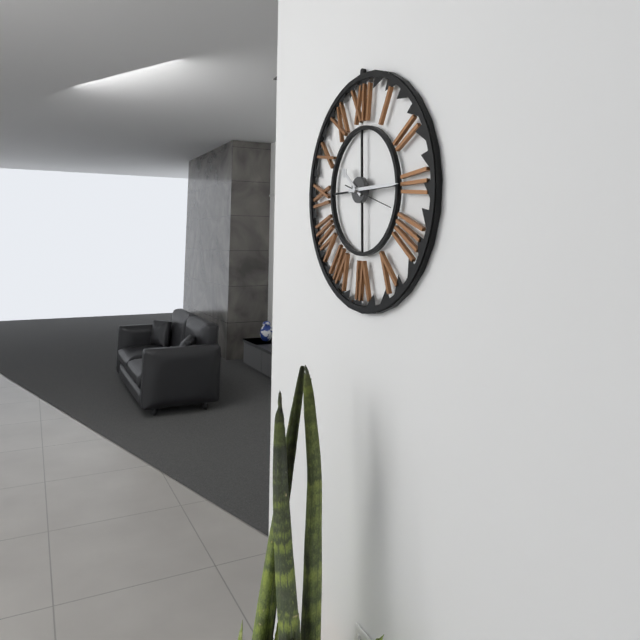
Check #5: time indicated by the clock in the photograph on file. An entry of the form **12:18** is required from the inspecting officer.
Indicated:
**10:15**
